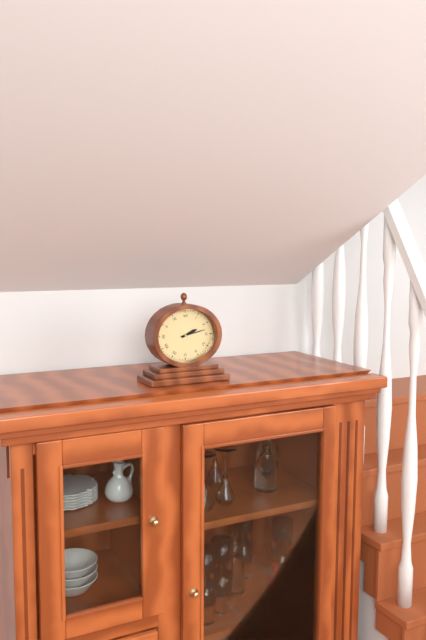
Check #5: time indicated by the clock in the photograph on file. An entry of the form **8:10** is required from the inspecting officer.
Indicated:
**2:13**
